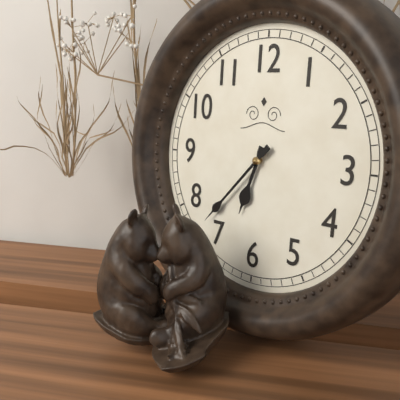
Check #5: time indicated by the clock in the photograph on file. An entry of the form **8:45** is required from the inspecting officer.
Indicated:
**6:37**
